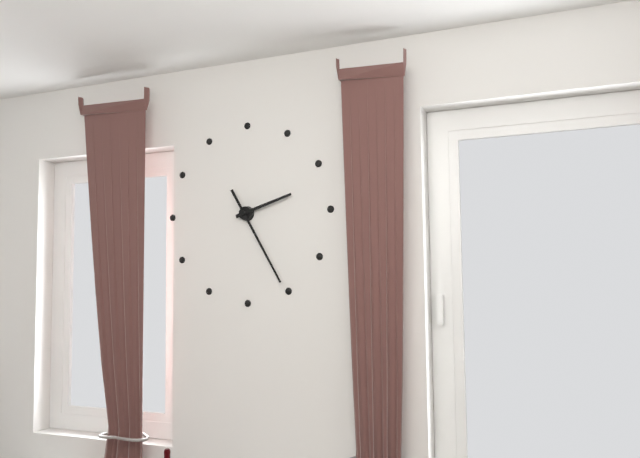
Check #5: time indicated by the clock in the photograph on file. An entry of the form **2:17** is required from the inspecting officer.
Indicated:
**2:25**
